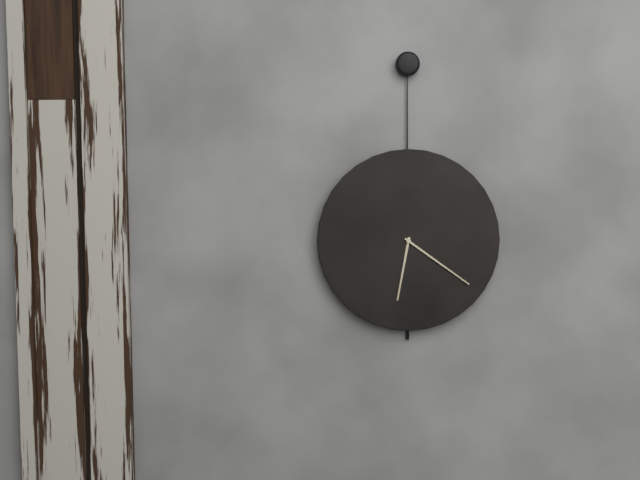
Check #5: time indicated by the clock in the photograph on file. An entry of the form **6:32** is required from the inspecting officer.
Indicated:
**6:21**
